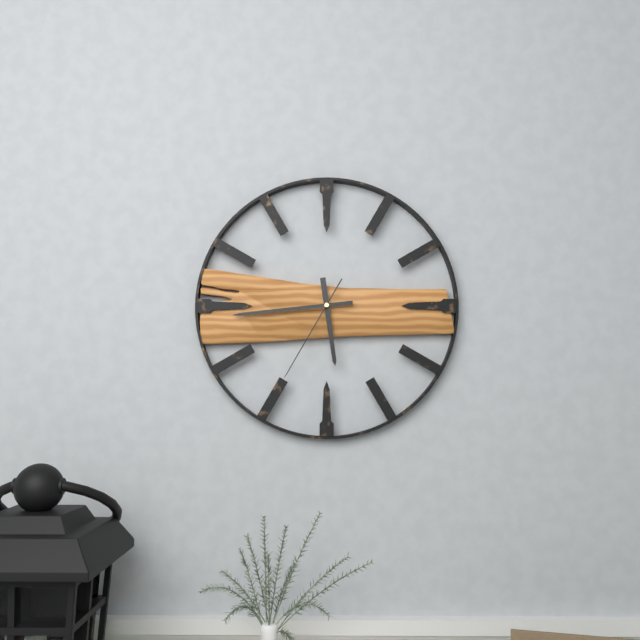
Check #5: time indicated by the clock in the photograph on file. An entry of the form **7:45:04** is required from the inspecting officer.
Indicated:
**5:44:35**
